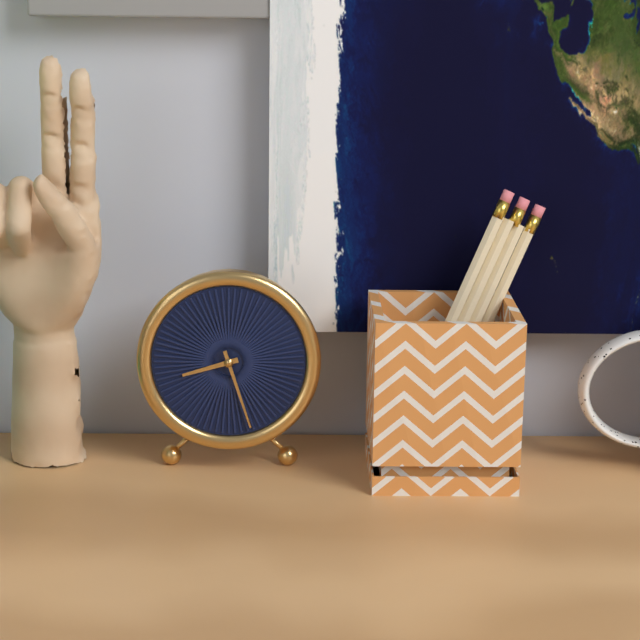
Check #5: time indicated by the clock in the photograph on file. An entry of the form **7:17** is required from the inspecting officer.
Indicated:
**8:27**
